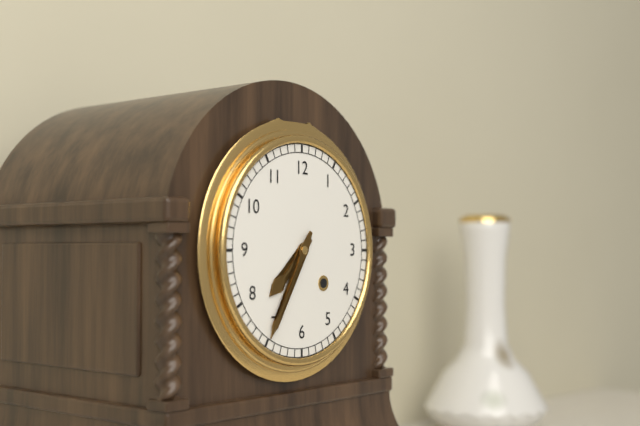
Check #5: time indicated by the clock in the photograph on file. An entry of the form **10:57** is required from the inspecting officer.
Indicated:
**7:35**
